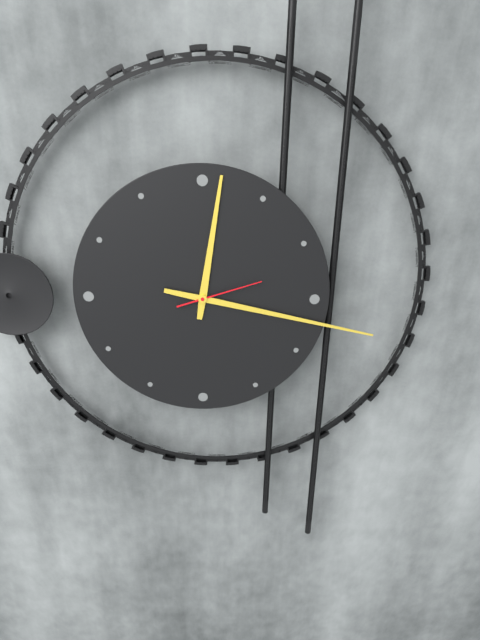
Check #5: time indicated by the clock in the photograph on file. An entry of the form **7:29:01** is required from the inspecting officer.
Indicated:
**12:17:12**
